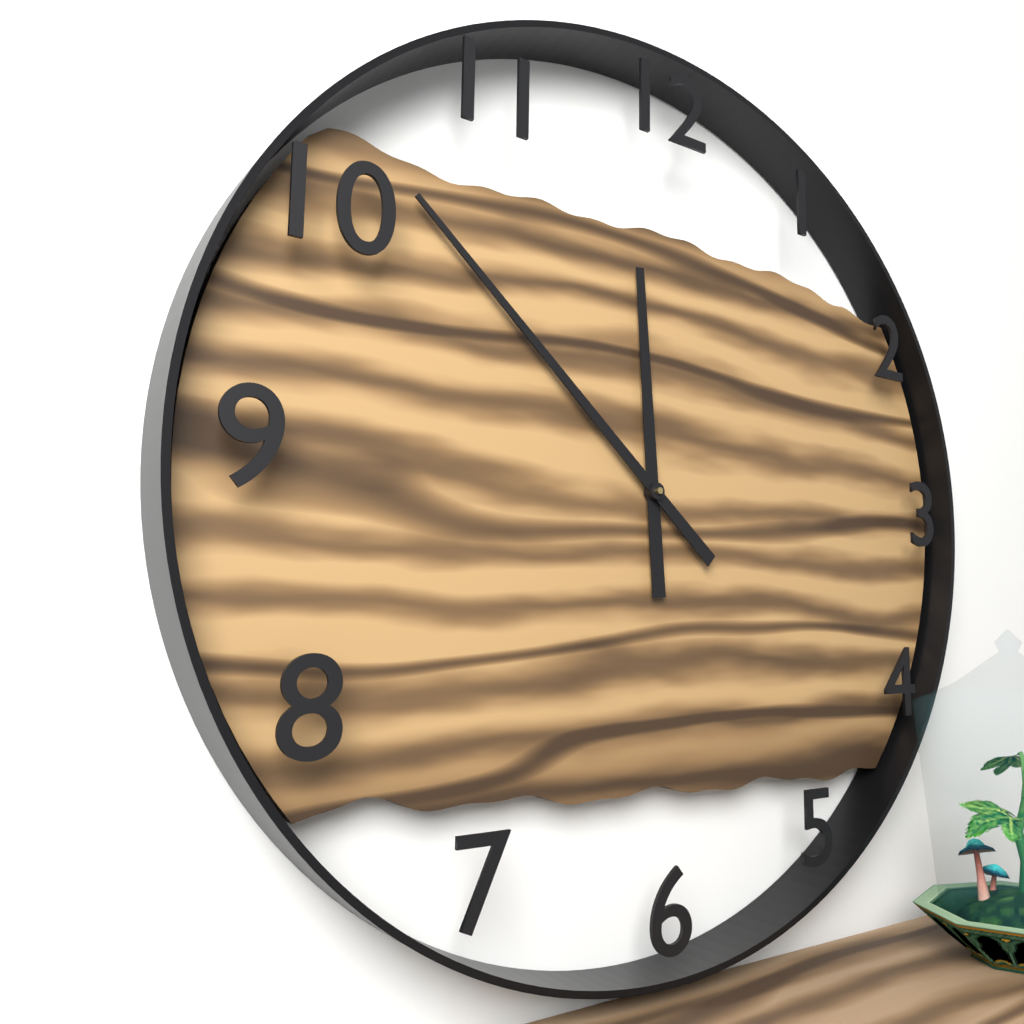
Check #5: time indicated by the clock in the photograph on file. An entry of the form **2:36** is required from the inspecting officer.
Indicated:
**11:52**
